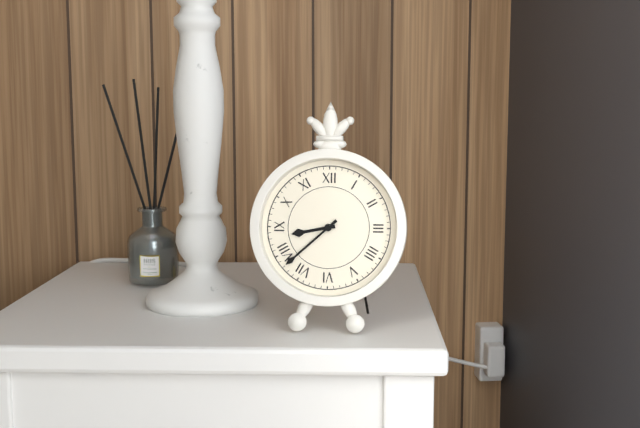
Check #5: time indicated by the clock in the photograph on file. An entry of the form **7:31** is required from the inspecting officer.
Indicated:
**8:38**
